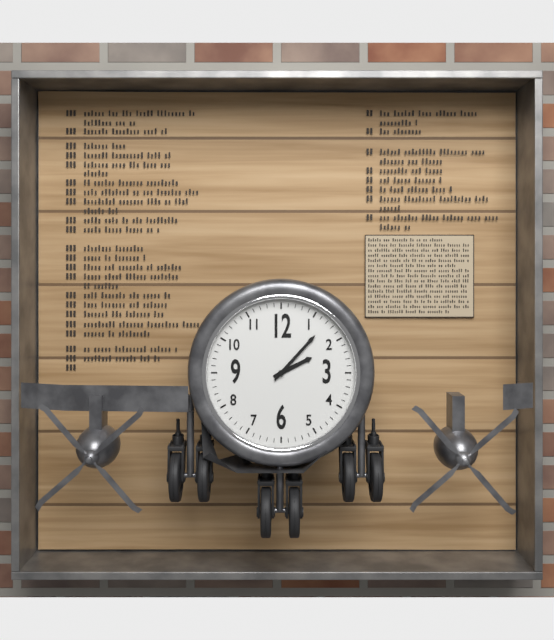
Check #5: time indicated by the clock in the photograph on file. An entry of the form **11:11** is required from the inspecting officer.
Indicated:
**2:07**
